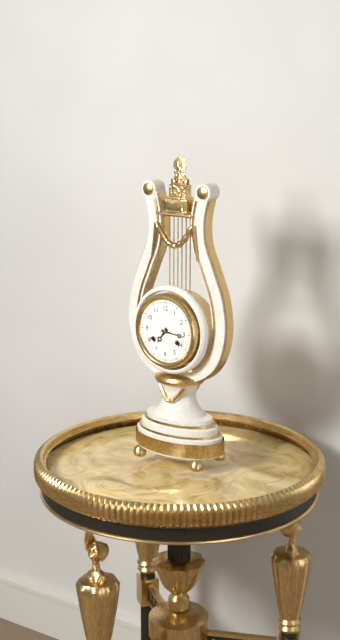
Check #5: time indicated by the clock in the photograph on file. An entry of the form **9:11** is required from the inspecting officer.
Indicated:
**7:16**
